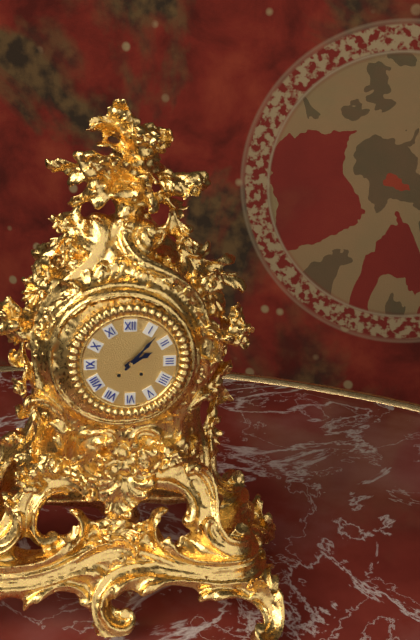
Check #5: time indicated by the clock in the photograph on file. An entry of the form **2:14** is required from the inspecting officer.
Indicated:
**2:07**
